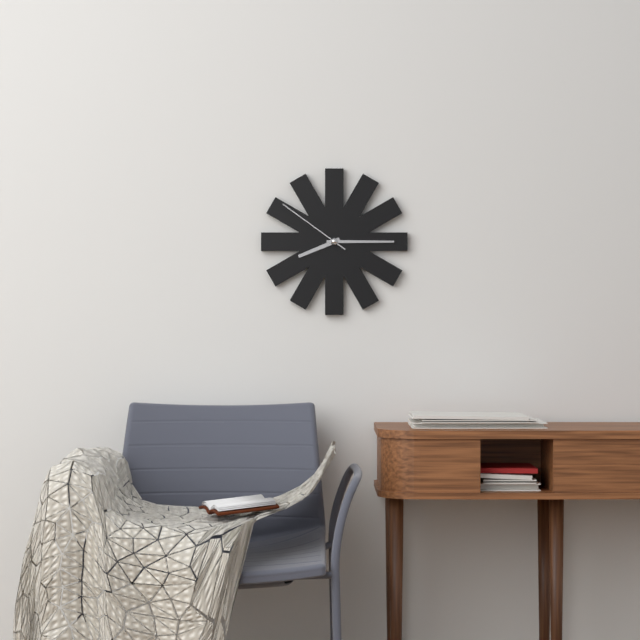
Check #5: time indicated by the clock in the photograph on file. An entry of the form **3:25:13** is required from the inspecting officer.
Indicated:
**8:15:51**
